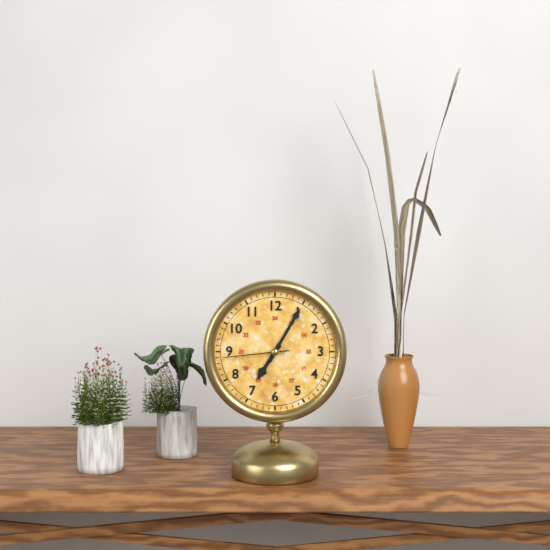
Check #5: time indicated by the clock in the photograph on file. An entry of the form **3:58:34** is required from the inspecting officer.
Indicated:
**7:05:44**
